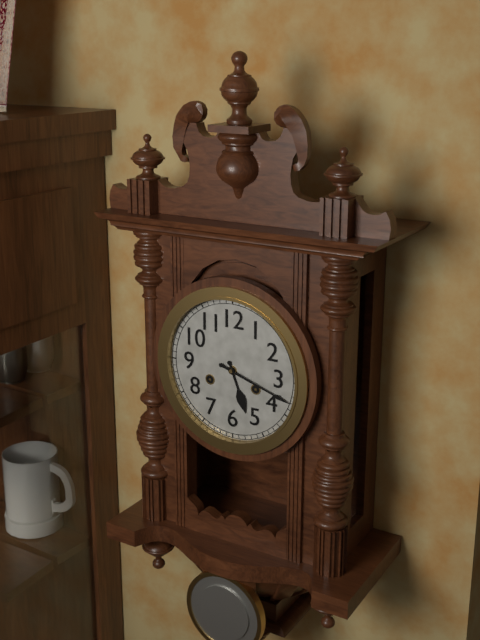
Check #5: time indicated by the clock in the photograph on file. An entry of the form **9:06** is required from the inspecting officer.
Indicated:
**5:18**
